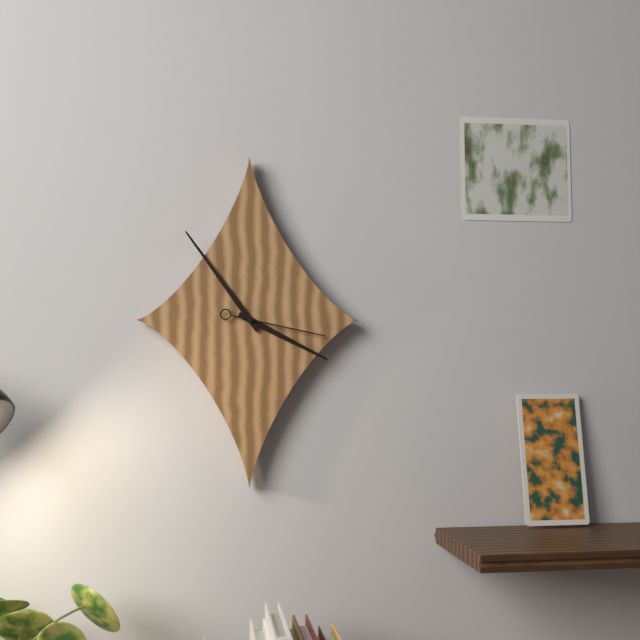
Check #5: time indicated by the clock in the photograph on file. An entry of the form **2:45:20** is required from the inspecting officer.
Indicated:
**3:54:17**
